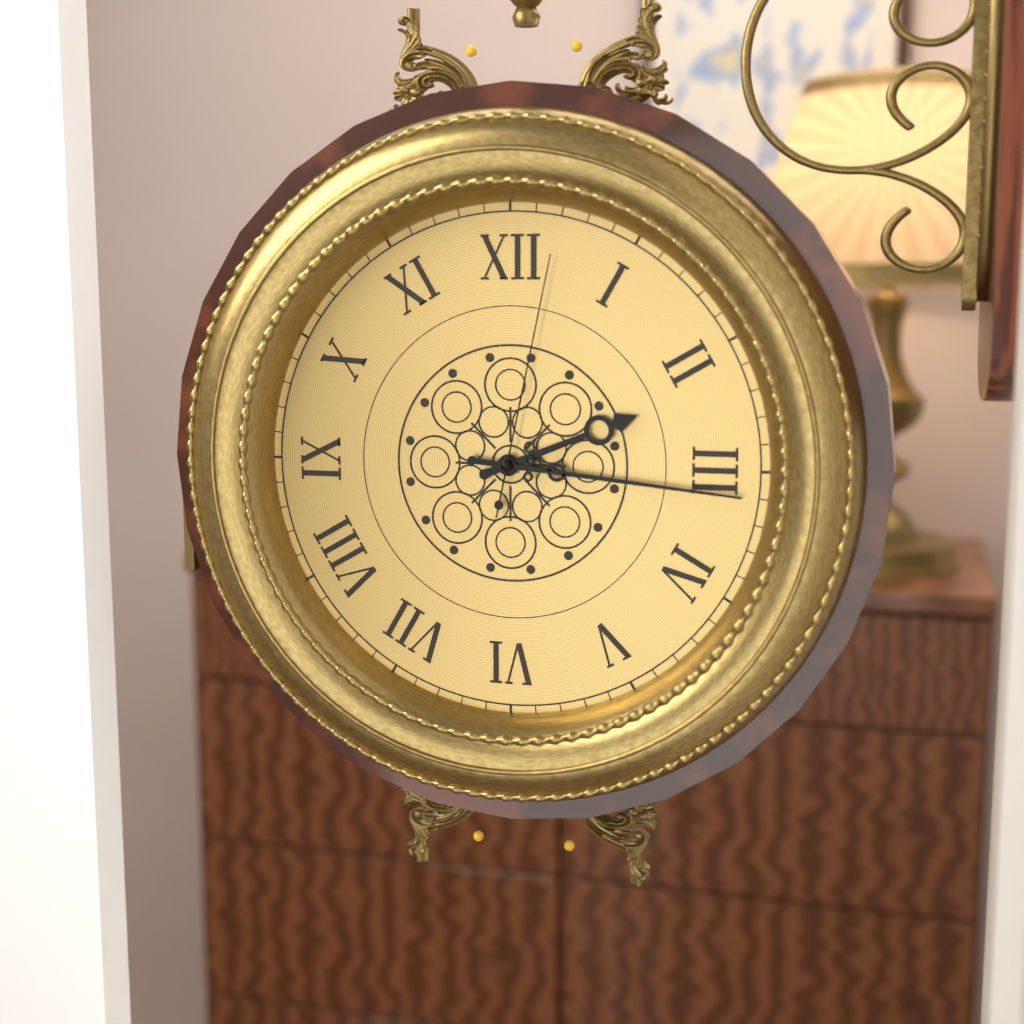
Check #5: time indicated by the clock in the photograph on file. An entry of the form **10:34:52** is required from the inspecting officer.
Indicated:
**2:16:02**
